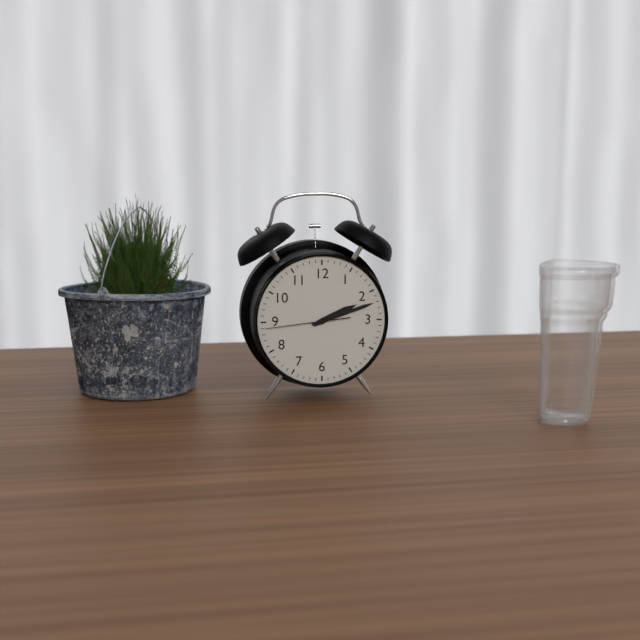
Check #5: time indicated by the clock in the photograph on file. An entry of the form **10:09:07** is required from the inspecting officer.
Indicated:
**2:12:44**
